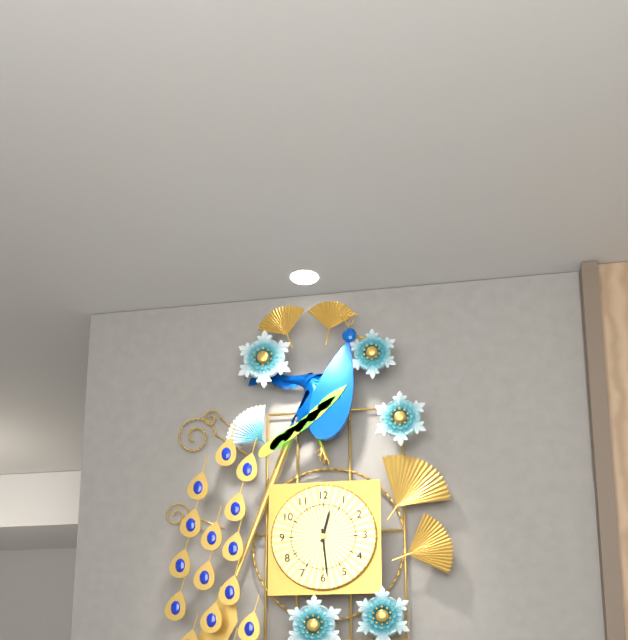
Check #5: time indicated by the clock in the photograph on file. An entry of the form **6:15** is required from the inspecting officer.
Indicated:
**12:29**
